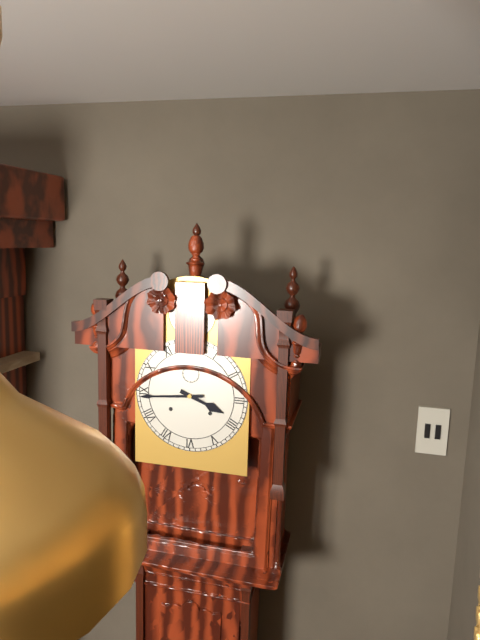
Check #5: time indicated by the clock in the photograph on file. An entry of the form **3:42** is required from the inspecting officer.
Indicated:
**3:44**
